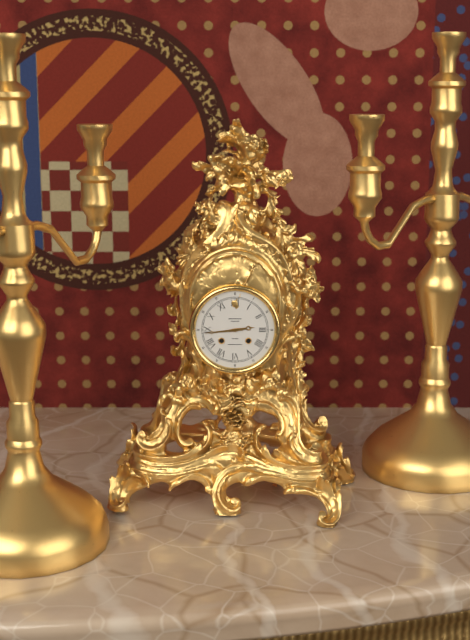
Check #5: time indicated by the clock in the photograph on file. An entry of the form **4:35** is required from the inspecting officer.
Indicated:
**2:44**
